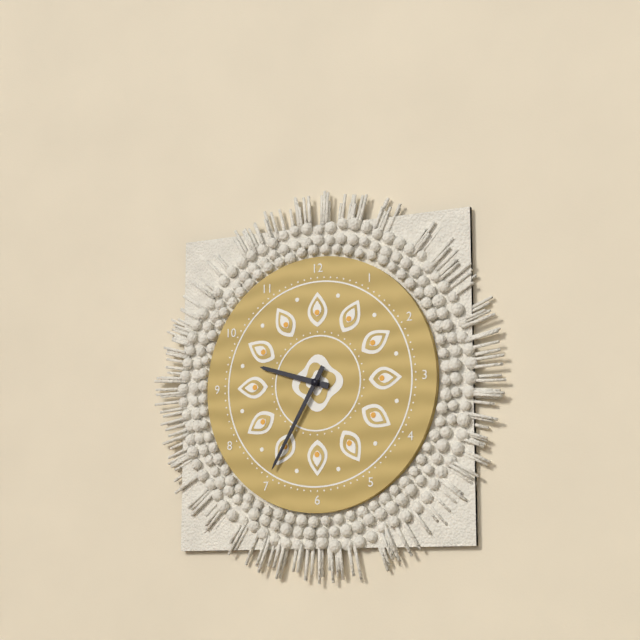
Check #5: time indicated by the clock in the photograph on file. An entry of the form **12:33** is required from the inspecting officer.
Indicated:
**9:35**
